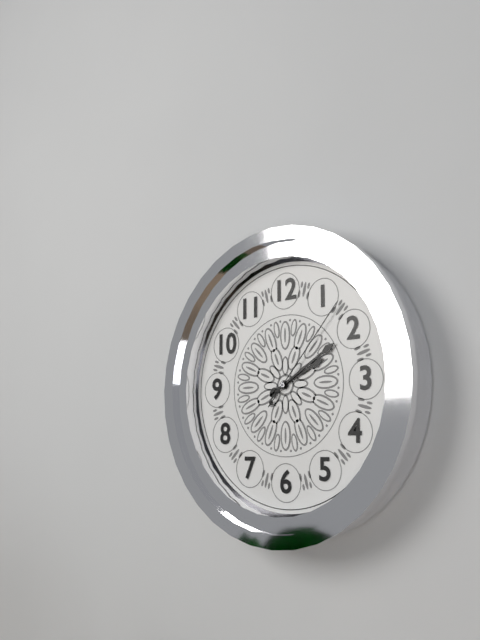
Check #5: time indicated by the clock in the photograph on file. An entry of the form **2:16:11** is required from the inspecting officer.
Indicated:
**2:10:07**
